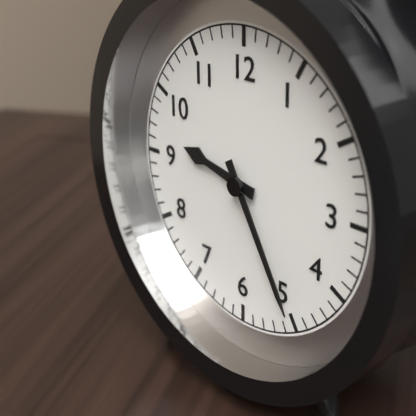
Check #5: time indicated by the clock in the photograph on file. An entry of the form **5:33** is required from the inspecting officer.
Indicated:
**9:25**
